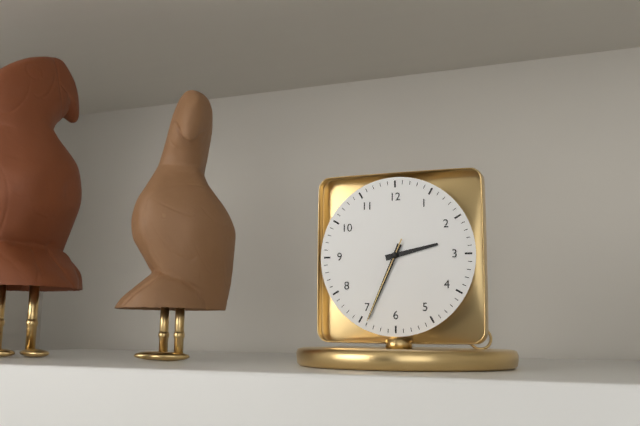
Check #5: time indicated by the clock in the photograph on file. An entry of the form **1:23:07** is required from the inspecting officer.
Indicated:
**2:34:34**
